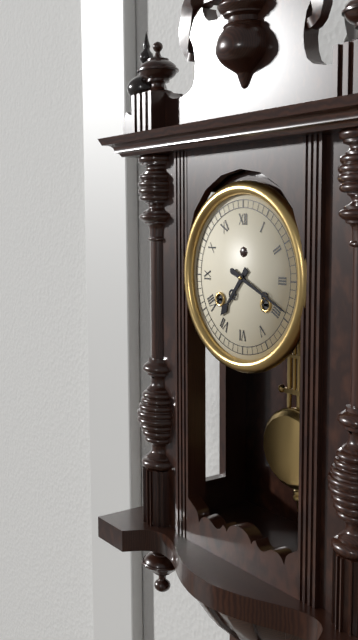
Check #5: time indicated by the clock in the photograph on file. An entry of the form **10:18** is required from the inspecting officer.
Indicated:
**7:19**
